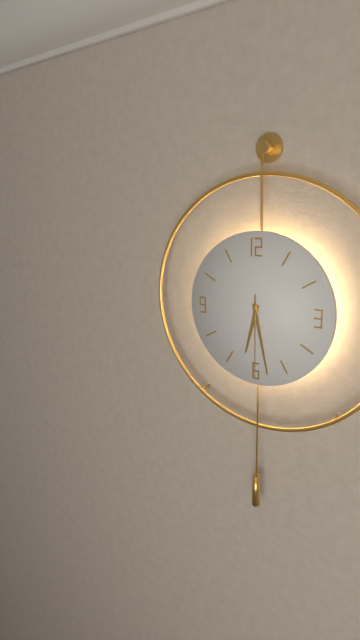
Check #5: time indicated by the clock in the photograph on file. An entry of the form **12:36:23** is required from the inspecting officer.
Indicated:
**6:28:30**
